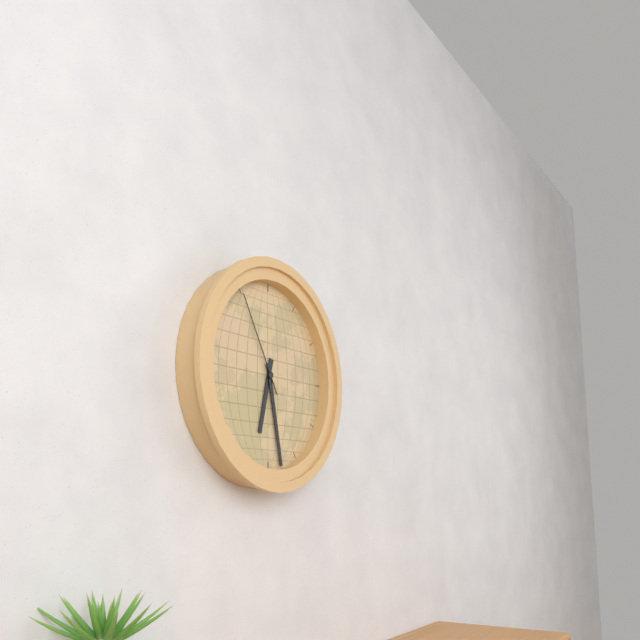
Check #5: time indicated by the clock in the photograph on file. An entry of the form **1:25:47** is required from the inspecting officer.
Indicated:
**6:28:55**
